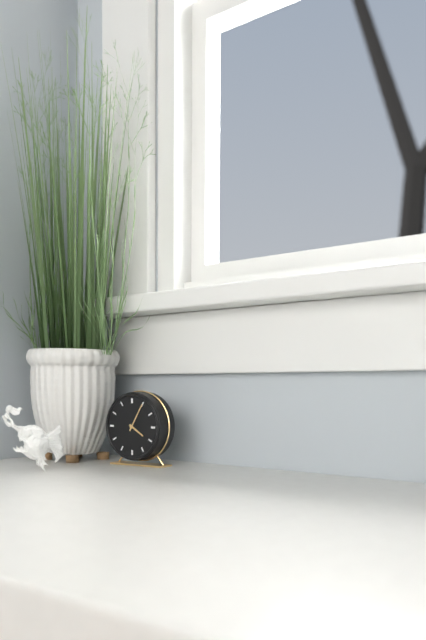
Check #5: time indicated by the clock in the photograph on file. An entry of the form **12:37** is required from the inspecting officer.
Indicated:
**4:05**
